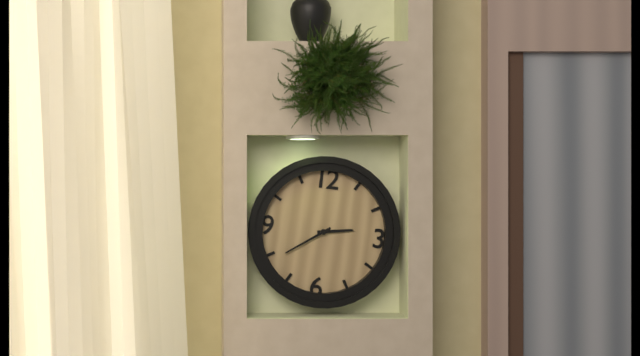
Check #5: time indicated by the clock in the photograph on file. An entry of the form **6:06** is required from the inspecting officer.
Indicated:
**2:39**
